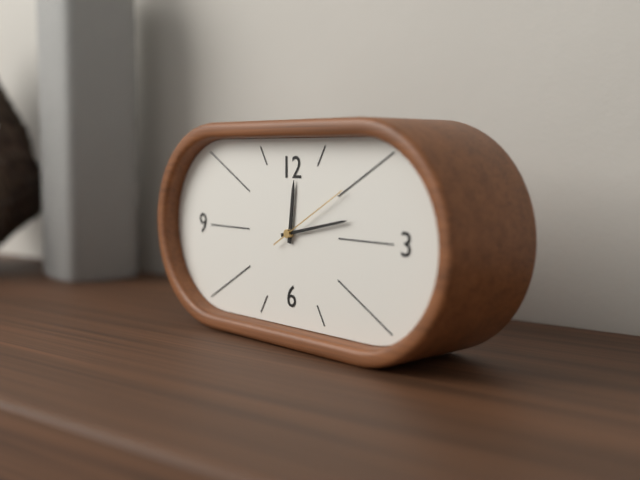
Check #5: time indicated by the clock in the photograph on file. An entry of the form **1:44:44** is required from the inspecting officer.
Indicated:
**12:13:10**
